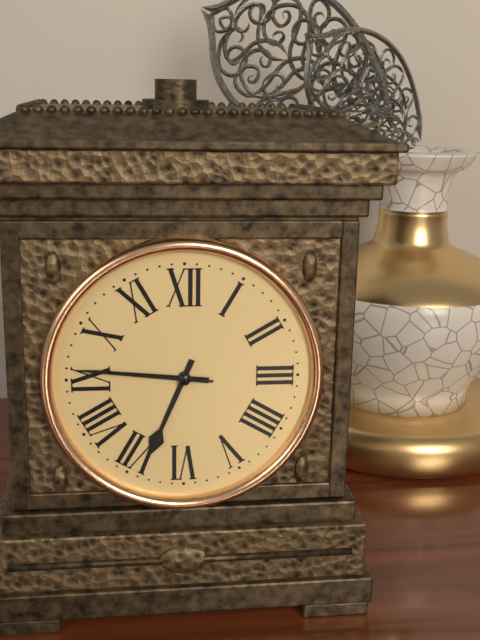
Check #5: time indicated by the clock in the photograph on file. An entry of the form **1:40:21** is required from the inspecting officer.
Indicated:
**6:46:46**
